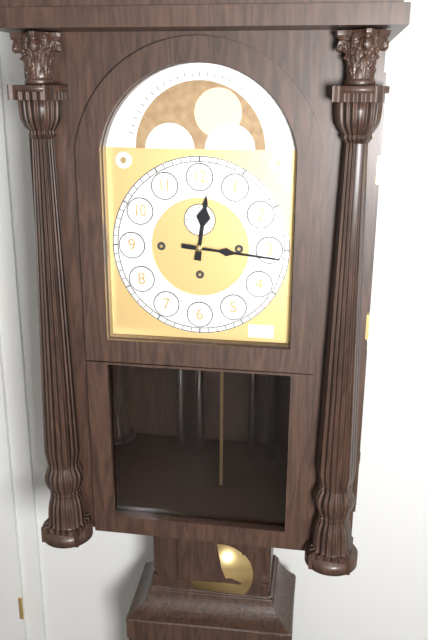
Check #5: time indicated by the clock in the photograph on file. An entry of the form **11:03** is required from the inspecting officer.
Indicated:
**12:16**
